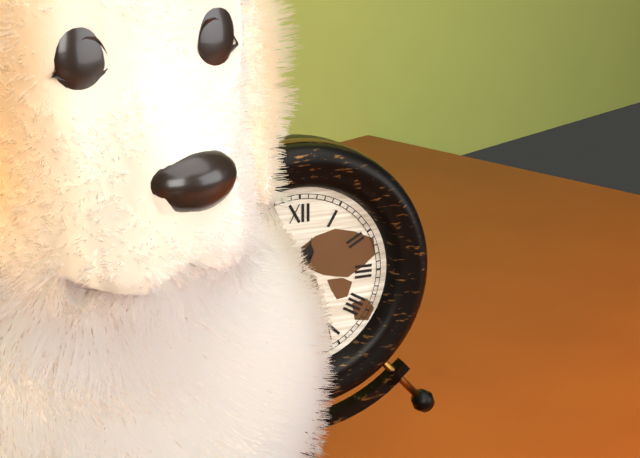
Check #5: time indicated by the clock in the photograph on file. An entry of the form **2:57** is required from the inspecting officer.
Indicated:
**12:28**
